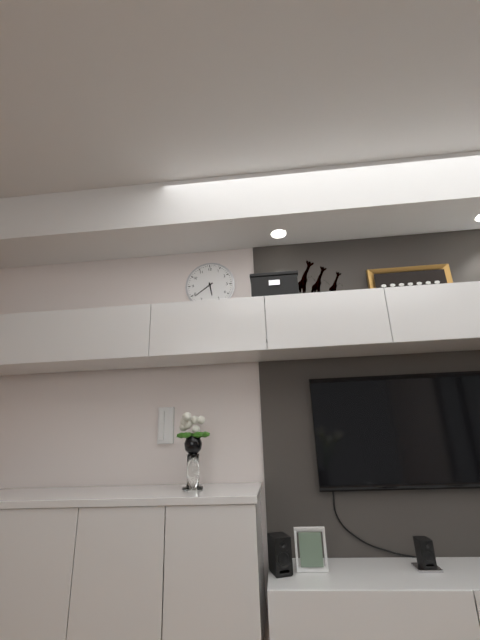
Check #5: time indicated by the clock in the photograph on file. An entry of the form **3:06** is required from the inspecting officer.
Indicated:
**5:39**
